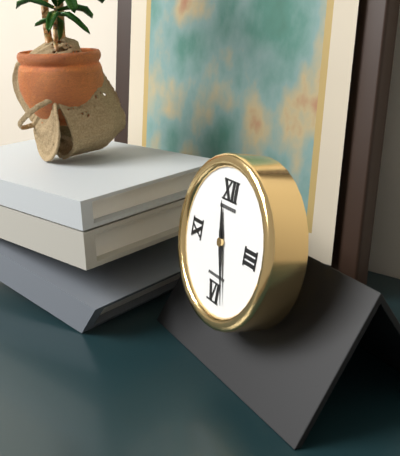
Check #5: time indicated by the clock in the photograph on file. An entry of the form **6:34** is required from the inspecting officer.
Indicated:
**11:27**
